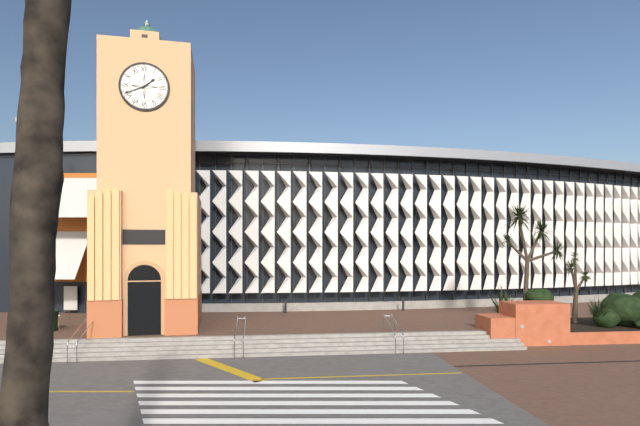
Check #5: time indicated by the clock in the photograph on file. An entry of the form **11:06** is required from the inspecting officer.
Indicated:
**1:41**
